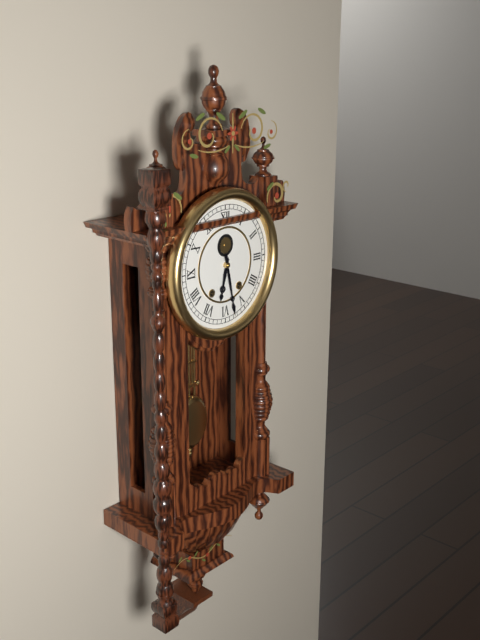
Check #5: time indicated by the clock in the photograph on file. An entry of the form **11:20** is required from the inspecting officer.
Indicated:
**6:28**
